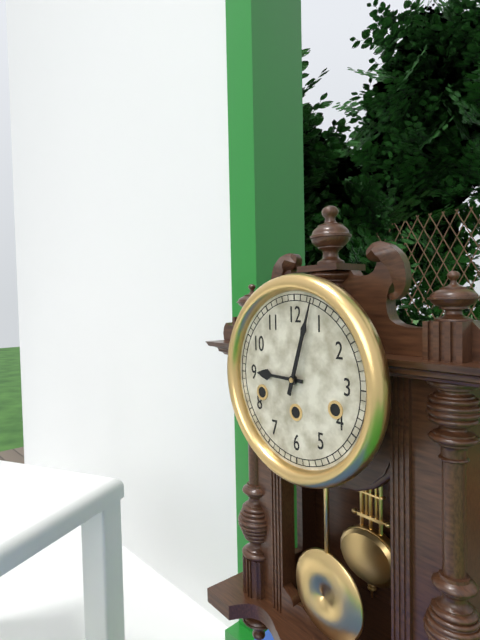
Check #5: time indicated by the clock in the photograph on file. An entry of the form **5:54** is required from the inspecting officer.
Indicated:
**9:03**
